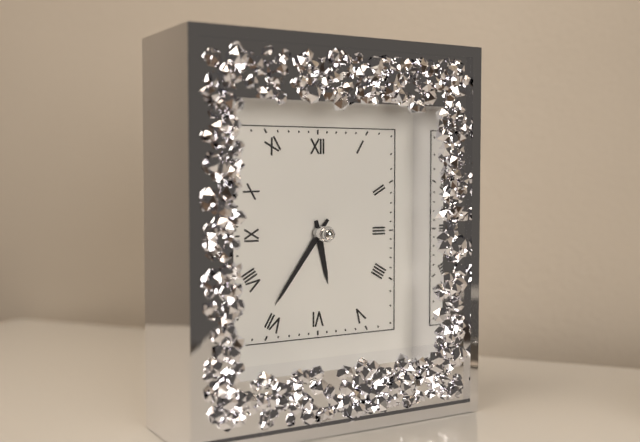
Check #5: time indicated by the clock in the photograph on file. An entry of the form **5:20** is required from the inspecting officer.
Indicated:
**5:36**
